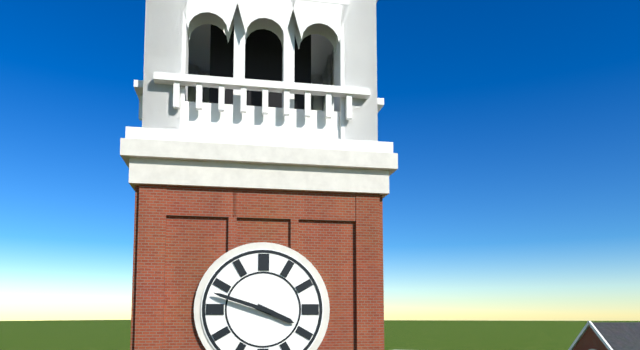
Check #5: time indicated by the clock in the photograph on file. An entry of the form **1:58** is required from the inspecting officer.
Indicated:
**3:48**
